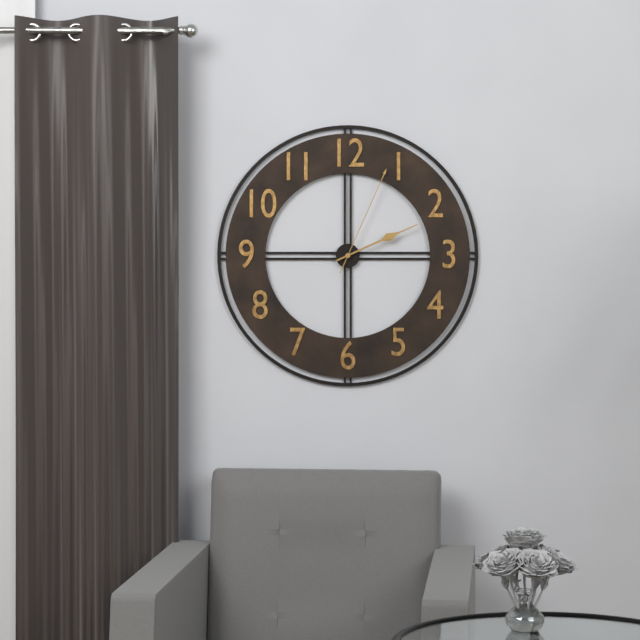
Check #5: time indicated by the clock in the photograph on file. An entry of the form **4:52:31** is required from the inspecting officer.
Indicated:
**2:11:04**
